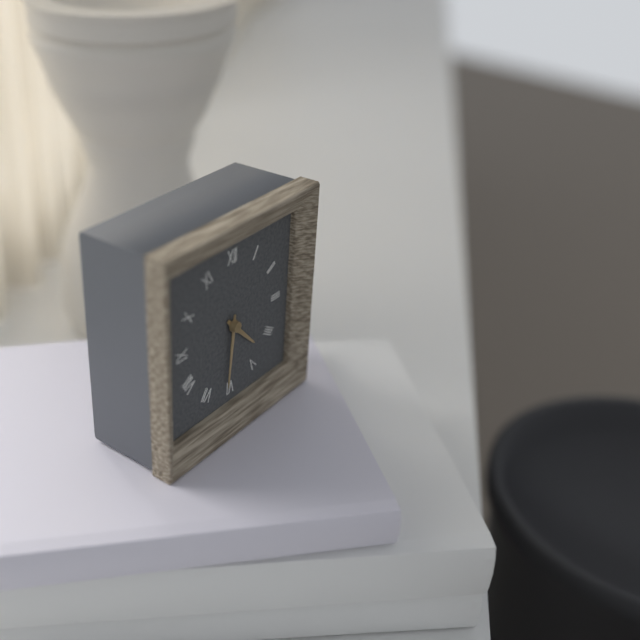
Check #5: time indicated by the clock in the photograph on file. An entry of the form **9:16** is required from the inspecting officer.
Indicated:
**4:31**
